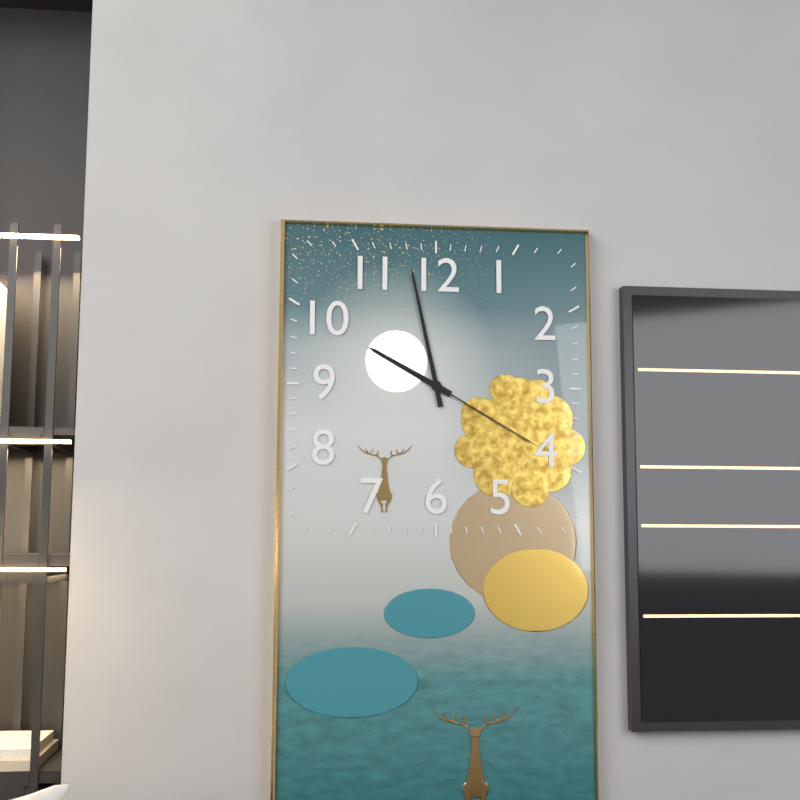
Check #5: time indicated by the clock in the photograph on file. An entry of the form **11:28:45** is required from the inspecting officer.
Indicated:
**9:58:20**
